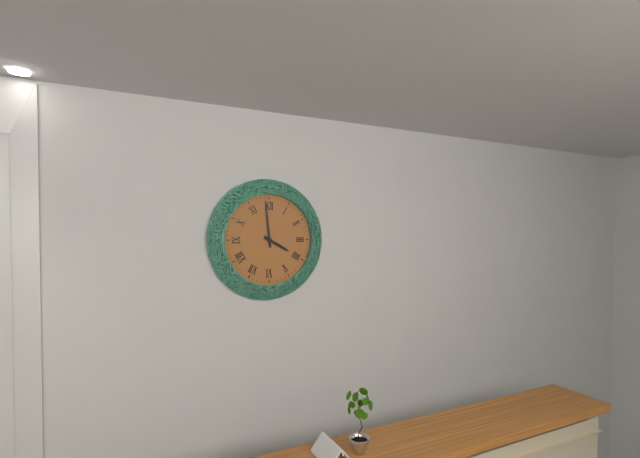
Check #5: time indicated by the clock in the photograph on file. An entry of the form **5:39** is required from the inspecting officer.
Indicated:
**3:59**
